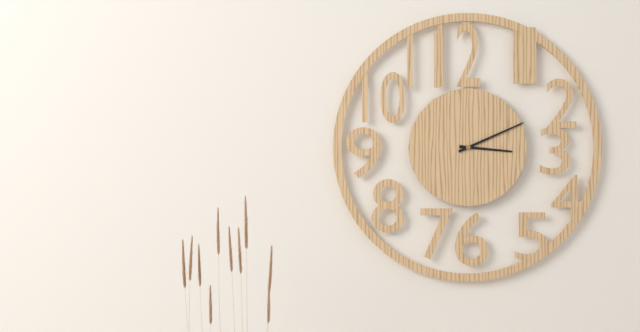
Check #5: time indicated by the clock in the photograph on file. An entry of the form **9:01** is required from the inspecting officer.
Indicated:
**3:11**
